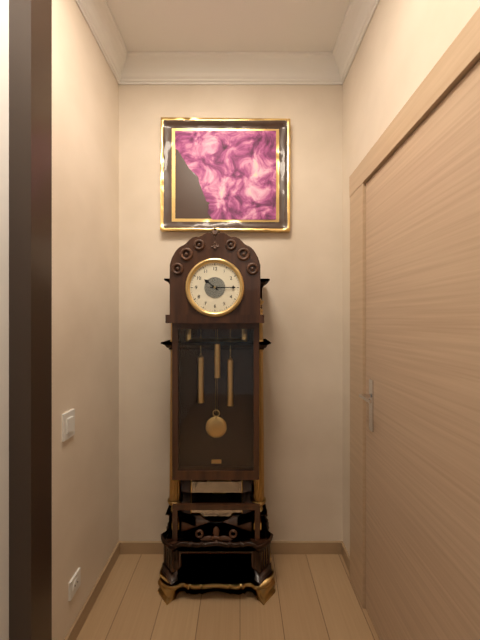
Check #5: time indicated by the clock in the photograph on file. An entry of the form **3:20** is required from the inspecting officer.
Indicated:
**10:15**
